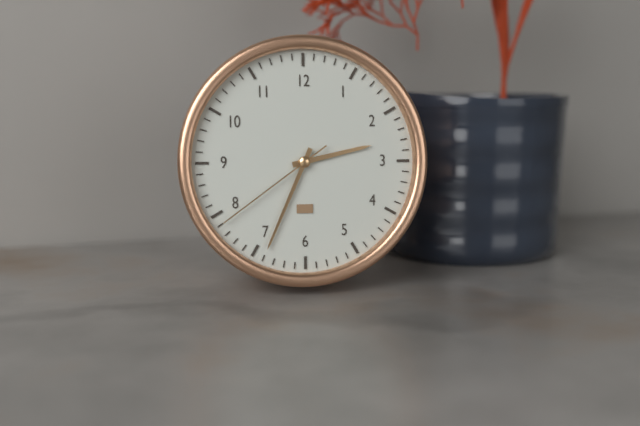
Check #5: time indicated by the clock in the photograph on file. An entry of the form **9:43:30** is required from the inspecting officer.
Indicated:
**2:34:39**
